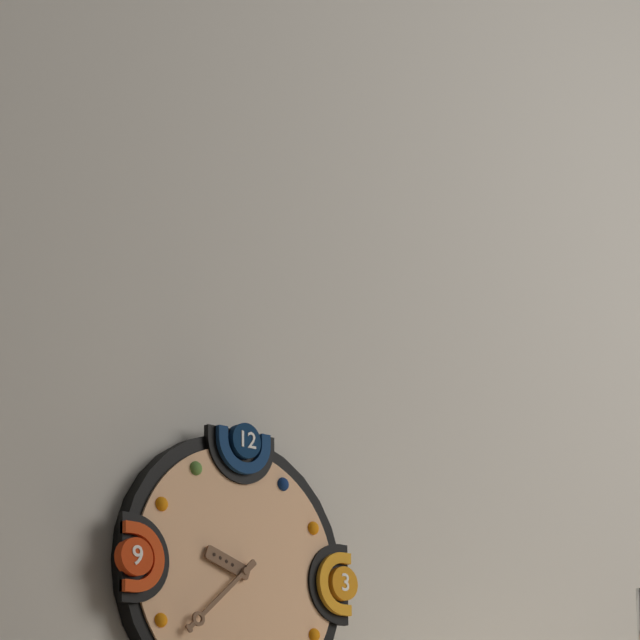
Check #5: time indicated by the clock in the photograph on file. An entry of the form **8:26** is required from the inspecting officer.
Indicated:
**9:38**
